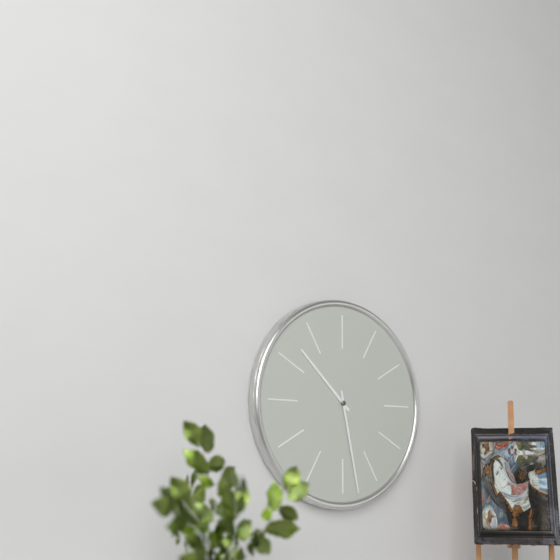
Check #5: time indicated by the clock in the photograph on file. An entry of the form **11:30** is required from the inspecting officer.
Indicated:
**10:28**
